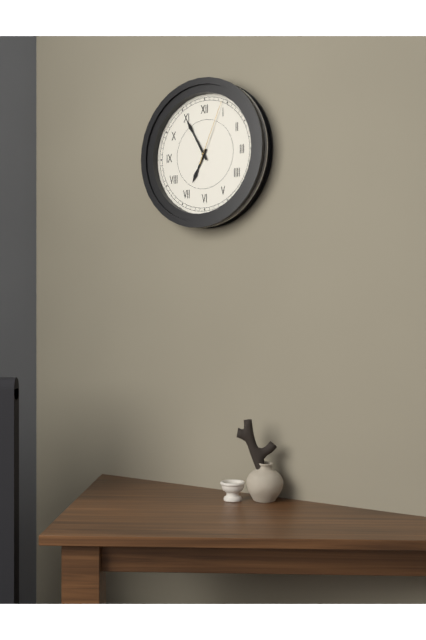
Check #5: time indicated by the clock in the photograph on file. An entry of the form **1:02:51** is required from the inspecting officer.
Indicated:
**6:55:04**
